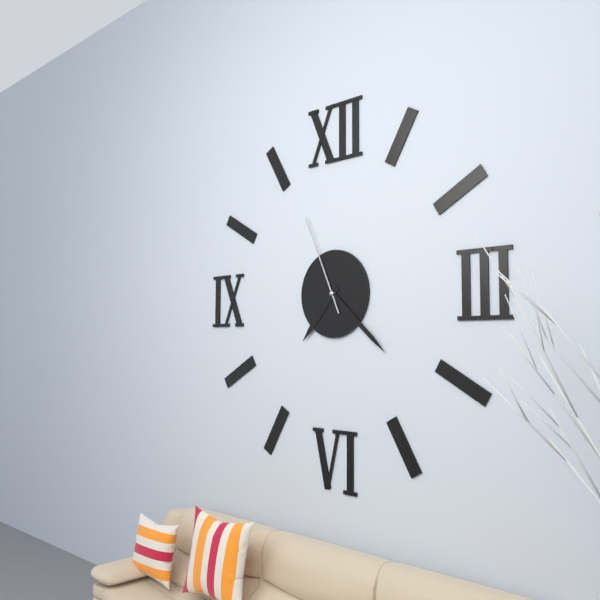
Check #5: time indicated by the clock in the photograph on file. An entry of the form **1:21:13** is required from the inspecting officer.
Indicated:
**7:22:56**
